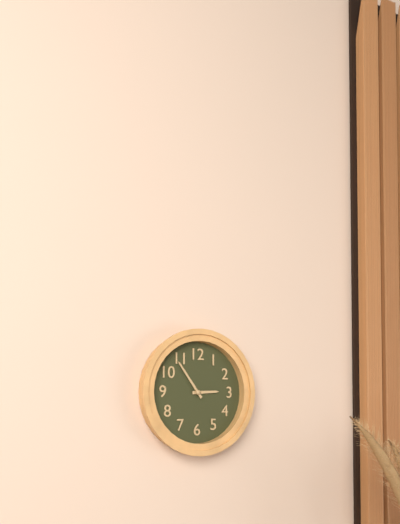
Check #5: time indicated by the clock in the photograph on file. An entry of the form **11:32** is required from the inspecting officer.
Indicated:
**2:54**
